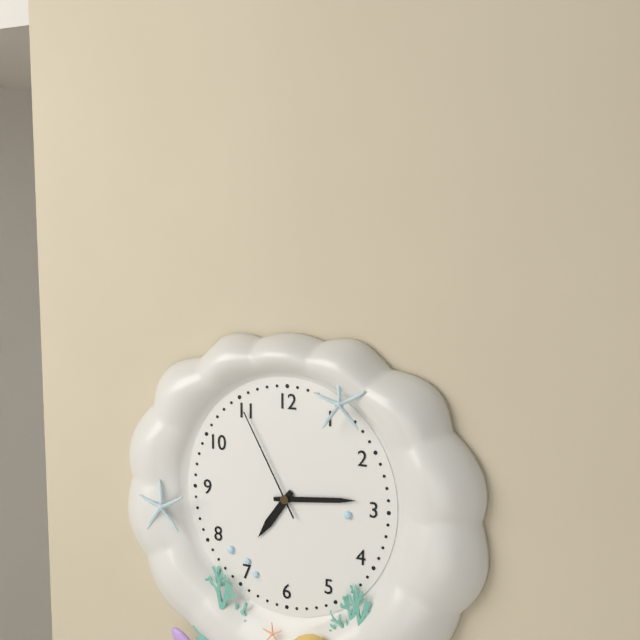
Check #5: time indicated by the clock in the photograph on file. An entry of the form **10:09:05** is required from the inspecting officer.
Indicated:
**7:14:55**
